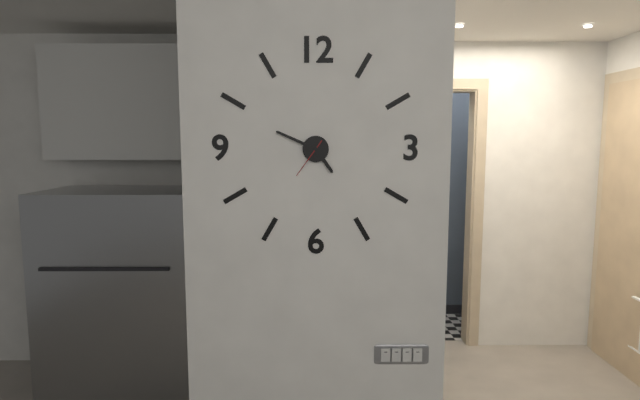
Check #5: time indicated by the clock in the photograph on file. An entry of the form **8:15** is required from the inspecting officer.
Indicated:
**4:49**
